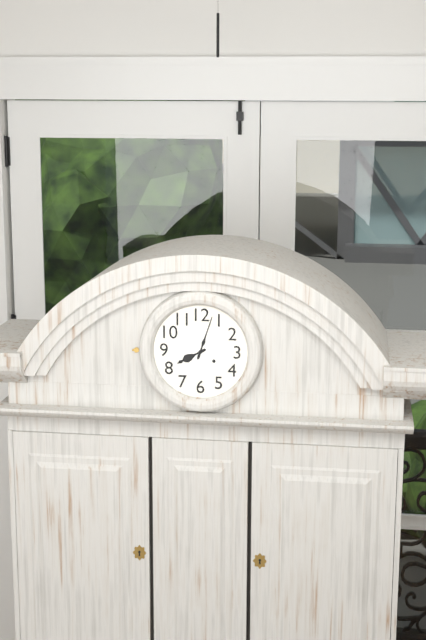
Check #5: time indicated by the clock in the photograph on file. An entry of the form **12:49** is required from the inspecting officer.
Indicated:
**8:03**
